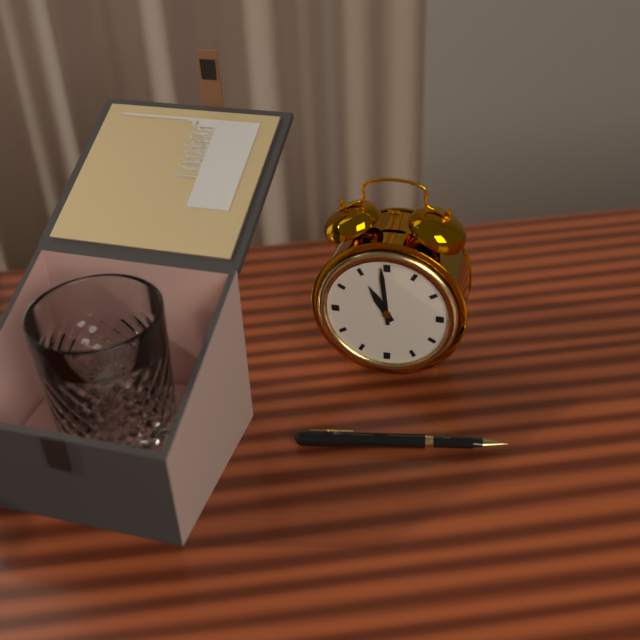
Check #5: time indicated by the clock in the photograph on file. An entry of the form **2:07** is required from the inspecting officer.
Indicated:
**10:59**
